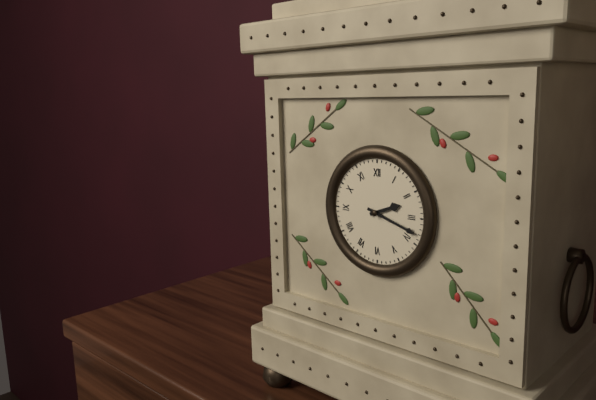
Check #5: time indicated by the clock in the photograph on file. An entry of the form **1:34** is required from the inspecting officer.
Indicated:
**2:18**
